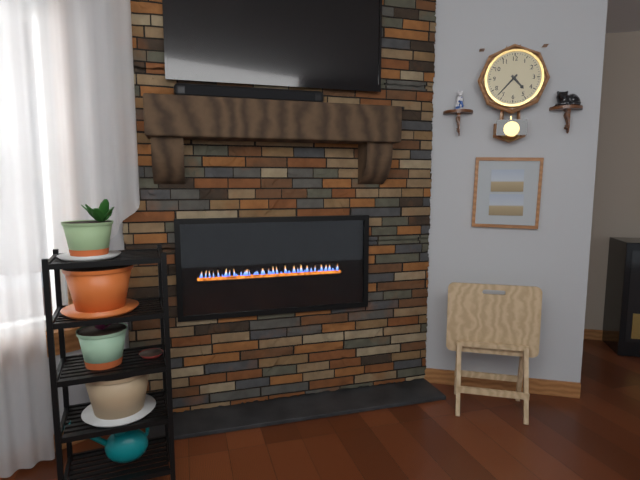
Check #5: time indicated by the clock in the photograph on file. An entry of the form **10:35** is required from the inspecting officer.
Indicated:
**4:37**
